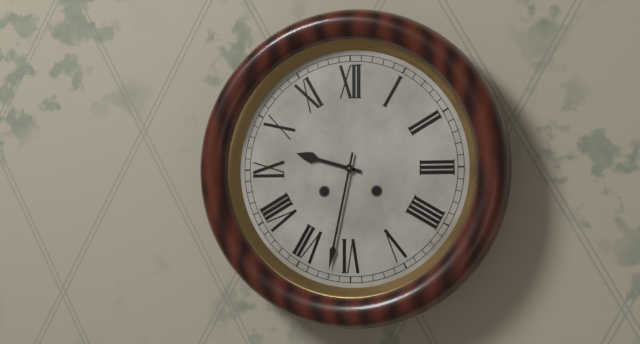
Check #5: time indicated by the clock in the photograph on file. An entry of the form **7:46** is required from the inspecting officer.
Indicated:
**9:32**
